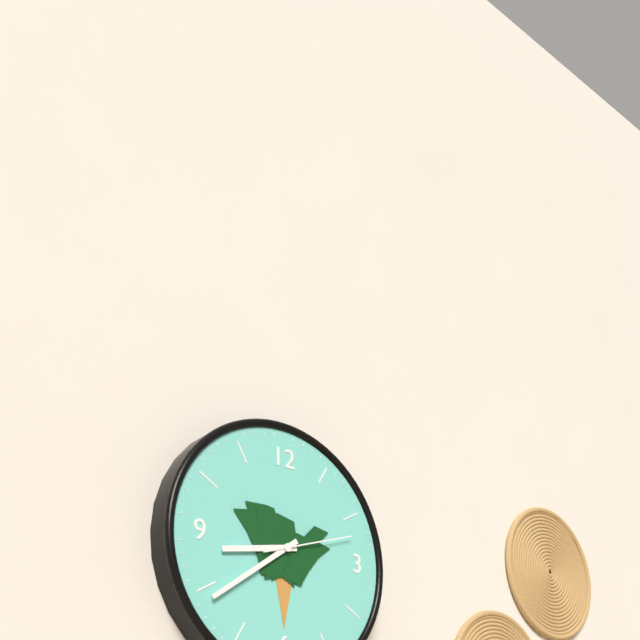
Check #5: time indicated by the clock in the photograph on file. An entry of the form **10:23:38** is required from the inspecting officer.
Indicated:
**8:39:12**
